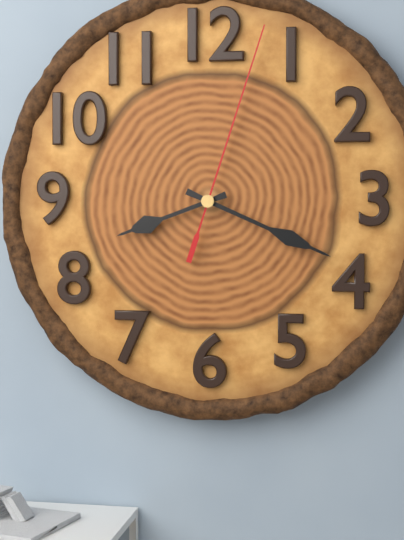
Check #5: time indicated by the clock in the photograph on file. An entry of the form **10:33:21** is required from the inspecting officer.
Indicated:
**8:19:03**
